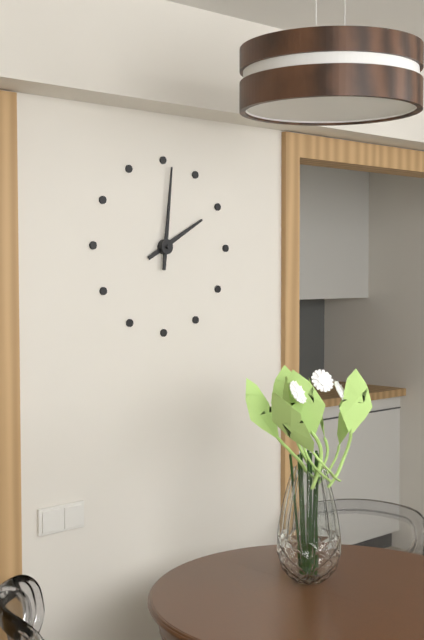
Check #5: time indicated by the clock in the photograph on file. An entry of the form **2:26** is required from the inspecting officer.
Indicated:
**2:01**
